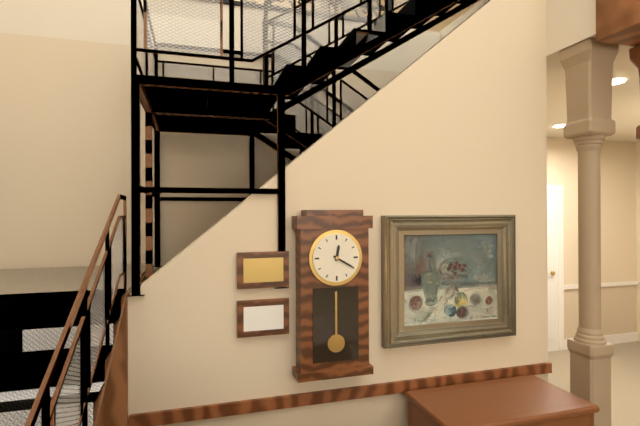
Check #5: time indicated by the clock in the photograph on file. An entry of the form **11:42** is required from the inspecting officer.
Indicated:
**12:20**
